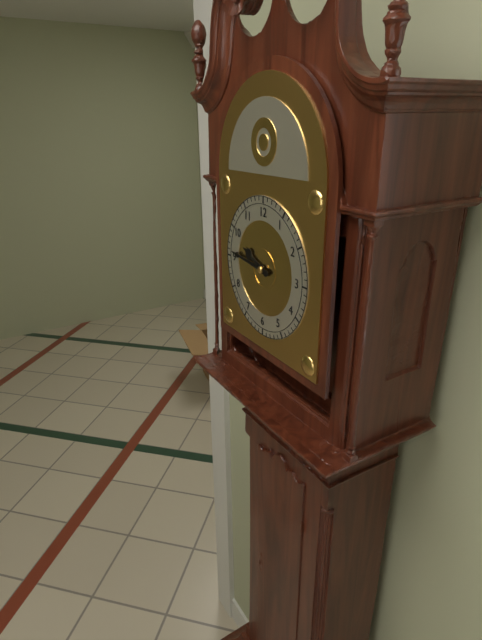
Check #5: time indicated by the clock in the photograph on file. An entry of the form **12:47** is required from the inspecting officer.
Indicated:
**9:46**
